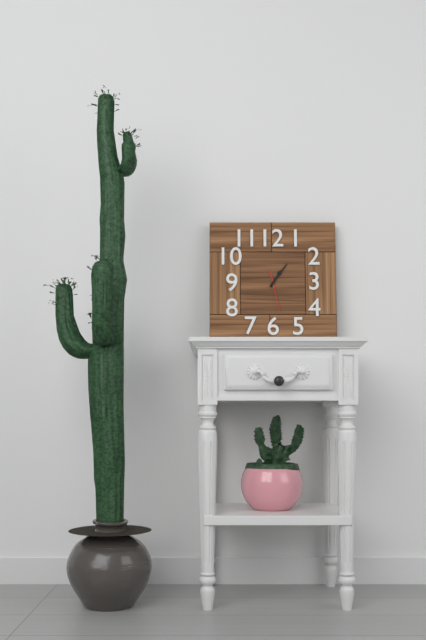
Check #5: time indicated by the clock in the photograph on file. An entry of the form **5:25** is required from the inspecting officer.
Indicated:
**1:06**
